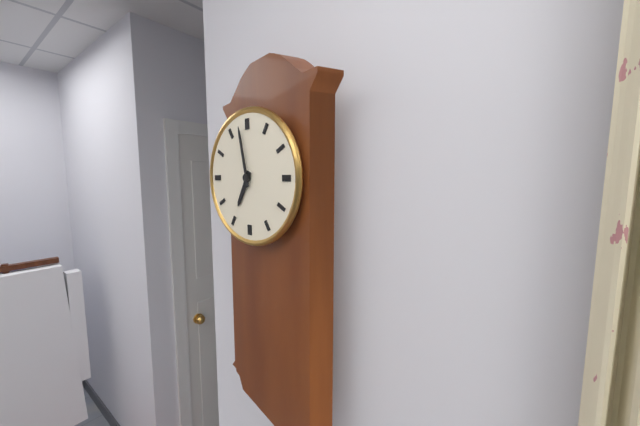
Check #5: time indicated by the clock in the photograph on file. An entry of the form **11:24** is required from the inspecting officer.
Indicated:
**6:58**
